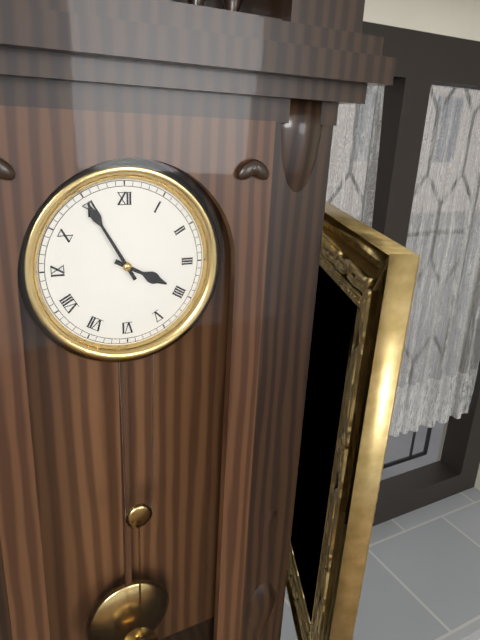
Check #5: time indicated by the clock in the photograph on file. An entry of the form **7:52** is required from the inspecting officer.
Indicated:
**3:55**
